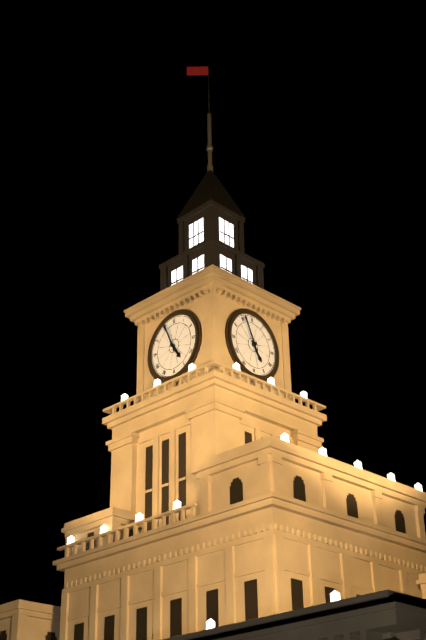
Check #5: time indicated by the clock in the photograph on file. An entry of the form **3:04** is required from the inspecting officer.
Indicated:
**4:56**
